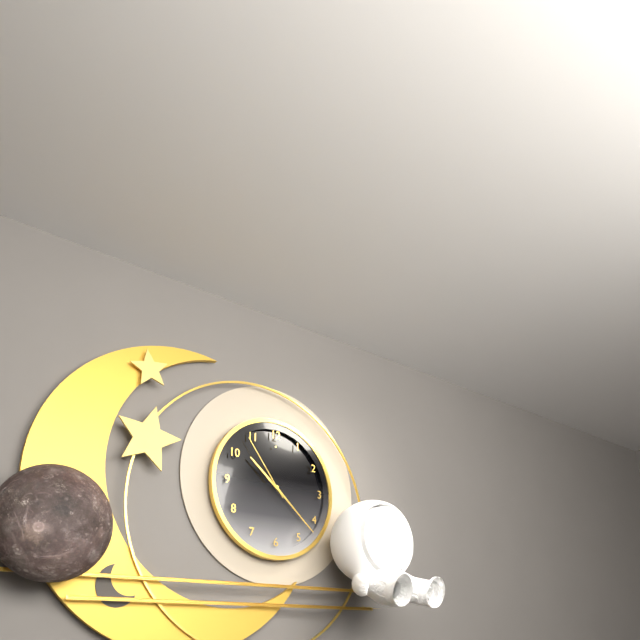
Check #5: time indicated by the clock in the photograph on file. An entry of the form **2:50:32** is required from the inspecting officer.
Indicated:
**10:22:54**
